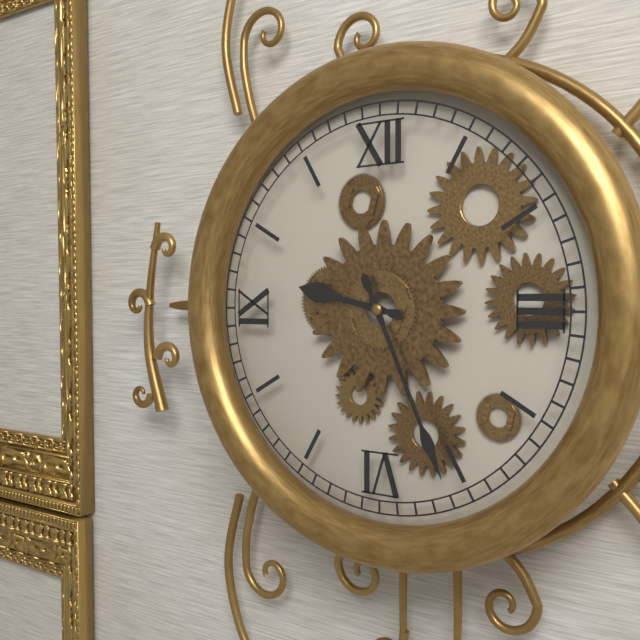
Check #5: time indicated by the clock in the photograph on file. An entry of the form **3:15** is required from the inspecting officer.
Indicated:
**9:26**
